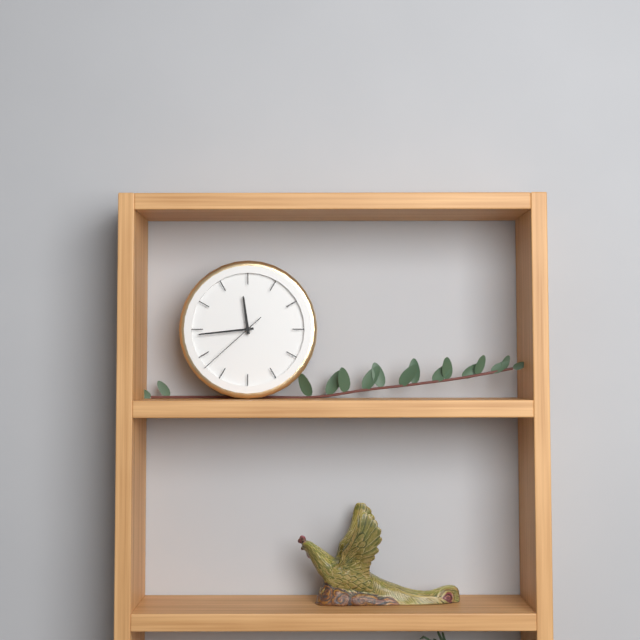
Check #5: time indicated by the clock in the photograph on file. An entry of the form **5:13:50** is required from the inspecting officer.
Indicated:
**11:44:38**
